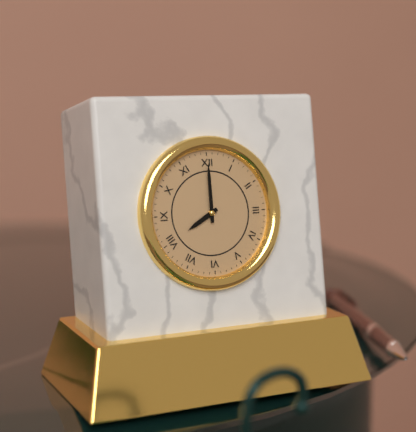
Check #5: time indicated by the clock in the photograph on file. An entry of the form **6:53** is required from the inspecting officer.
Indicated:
**8:00**
